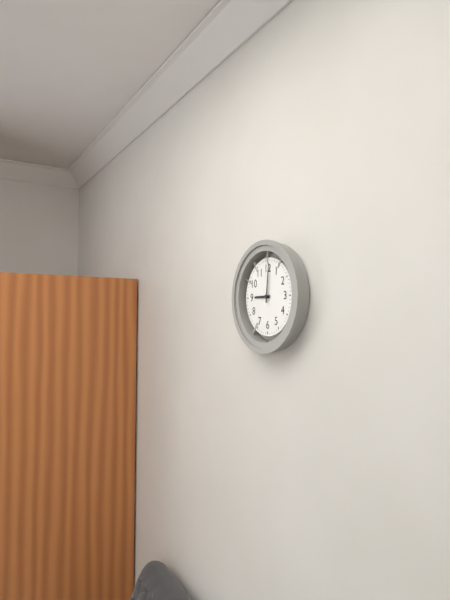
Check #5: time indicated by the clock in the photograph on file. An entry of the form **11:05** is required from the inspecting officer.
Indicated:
**9:01**
